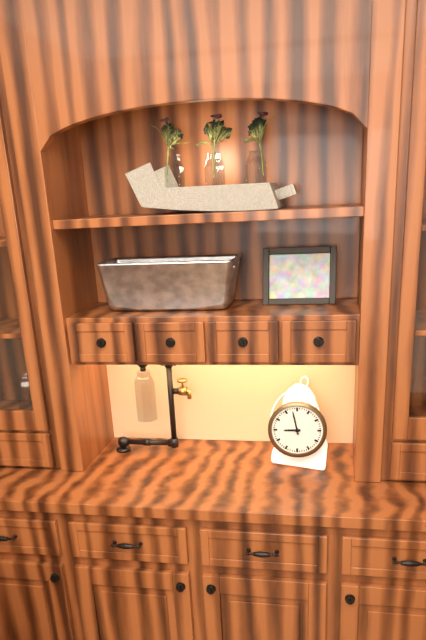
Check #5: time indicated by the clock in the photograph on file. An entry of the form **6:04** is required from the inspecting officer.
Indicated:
**8:58**
